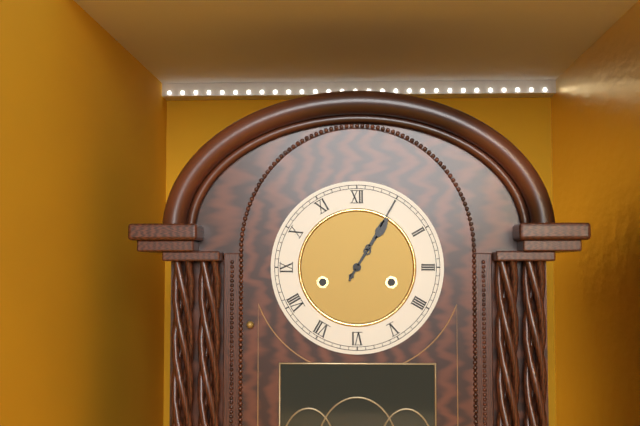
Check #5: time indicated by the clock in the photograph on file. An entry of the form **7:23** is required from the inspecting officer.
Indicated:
**1:05**
